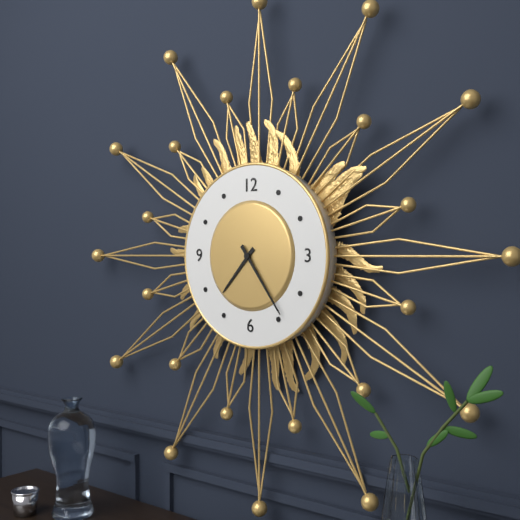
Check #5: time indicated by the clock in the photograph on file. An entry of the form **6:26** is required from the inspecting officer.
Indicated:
**7:24**
